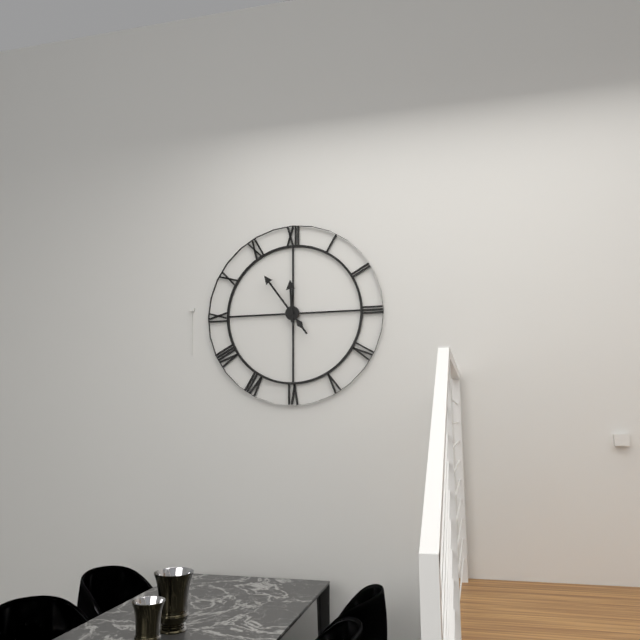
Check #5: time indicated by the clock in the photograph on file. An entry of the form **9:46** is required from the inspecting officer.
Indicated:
**11:54**
